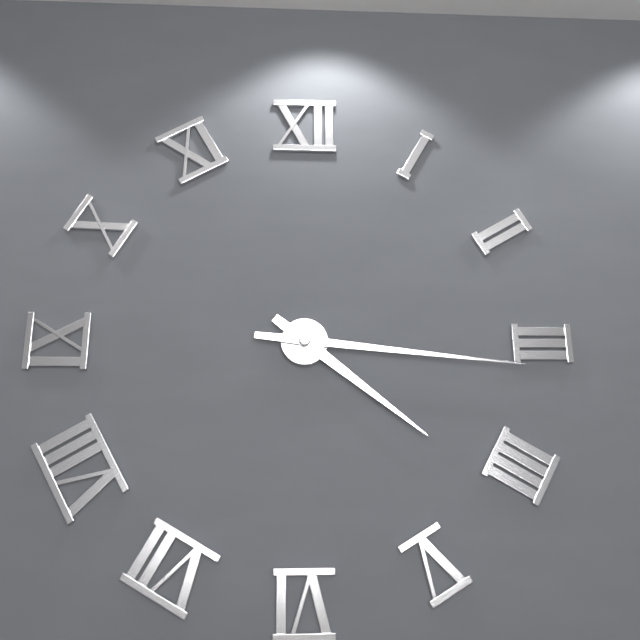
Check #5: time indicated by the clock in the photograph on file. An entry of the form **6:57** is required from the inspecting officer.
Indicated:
**4:16**
